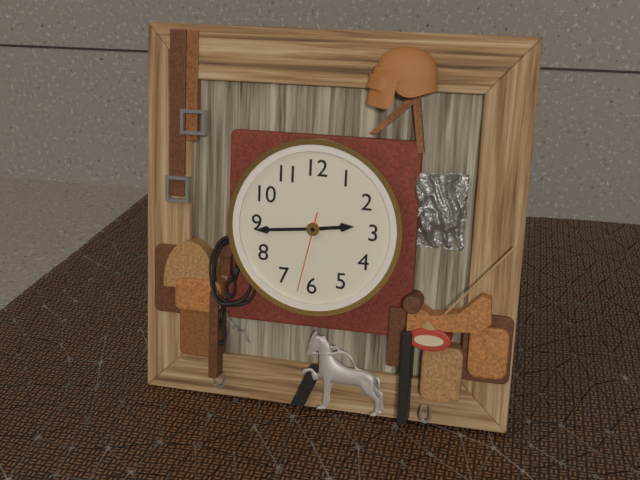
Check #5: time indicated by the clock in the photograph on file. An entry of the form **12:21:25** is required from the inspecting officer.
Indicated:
**2:44:32**
